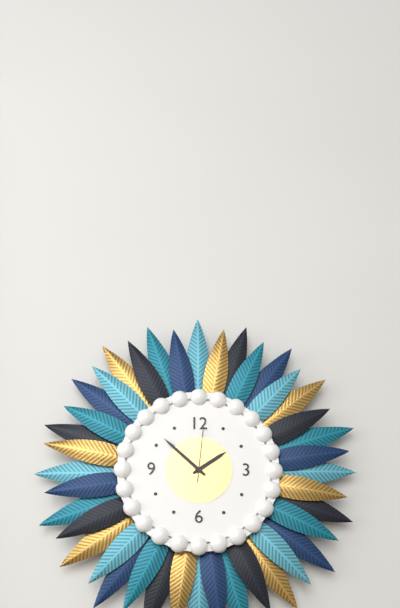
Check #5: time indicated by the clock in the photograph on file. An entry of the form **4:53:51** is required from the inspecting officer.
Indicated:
**1:52:01**
